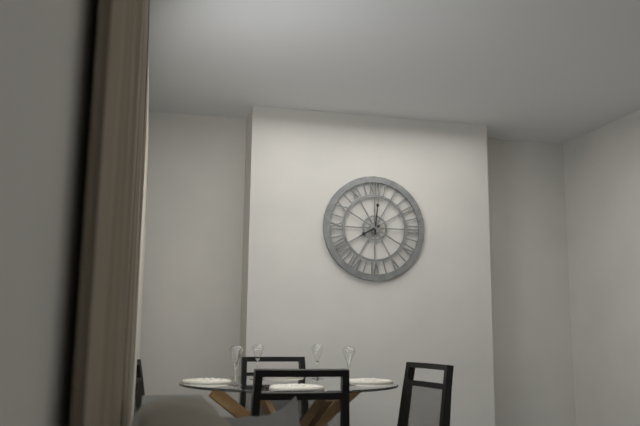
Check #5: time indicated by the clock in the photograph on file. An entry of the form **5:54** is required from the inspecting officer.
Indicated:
**8:01**
